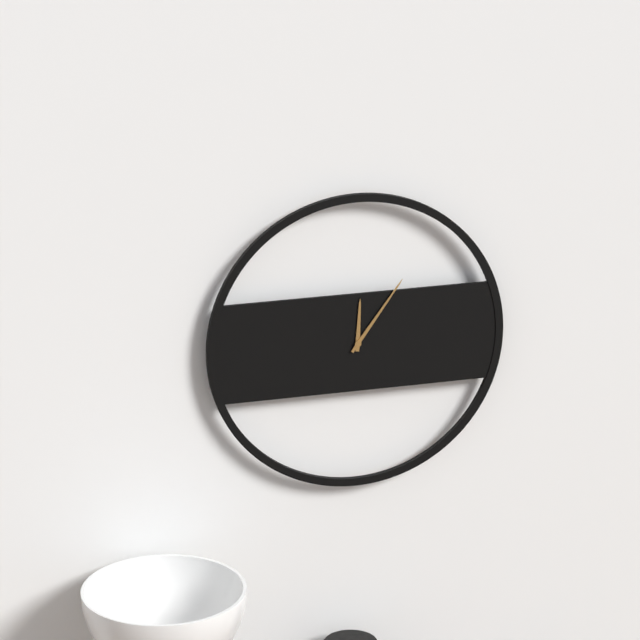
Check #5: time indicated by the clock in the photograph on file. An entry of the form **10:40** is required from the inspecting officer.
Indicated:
**12:06**
